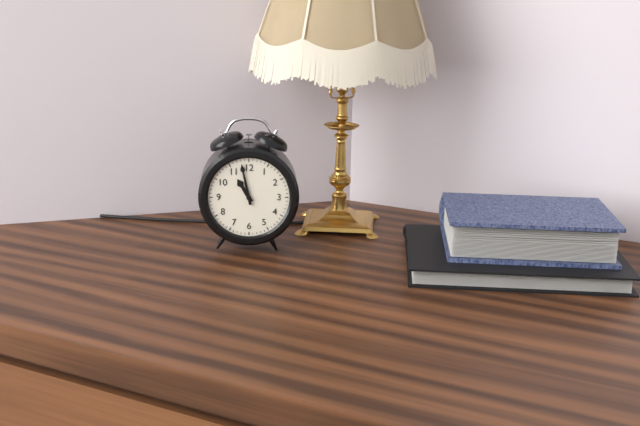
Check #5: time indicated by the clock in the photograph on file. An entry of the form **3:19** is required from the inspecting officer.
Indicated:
**10:58**
